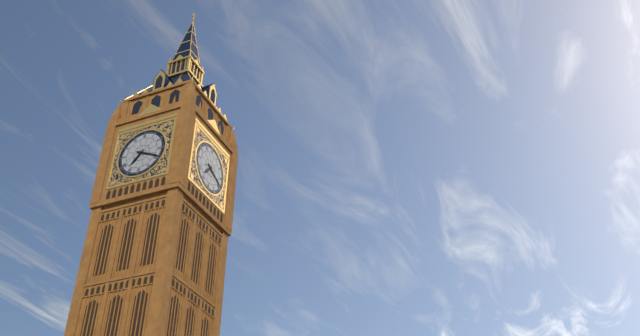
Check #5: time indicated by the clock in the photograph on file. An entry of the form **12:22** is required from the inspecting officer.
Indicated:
**7:19**
